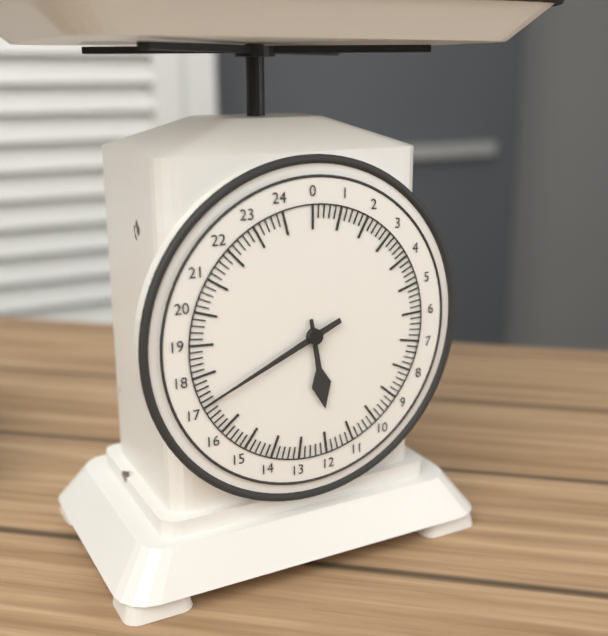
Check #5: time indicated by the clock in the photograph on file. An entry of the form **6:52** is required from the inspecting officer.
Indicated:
**5:41**
